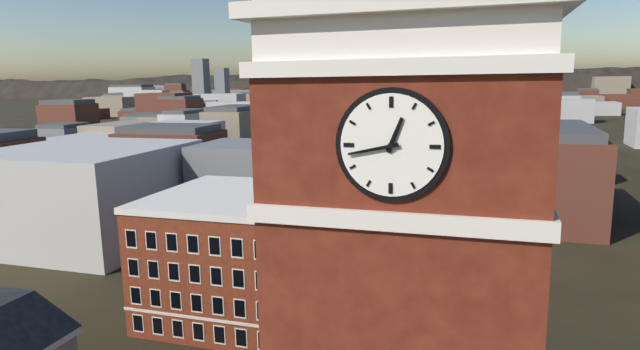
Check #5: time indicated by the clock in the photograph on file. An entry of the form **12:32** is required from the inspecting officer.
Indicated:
**12:43**
